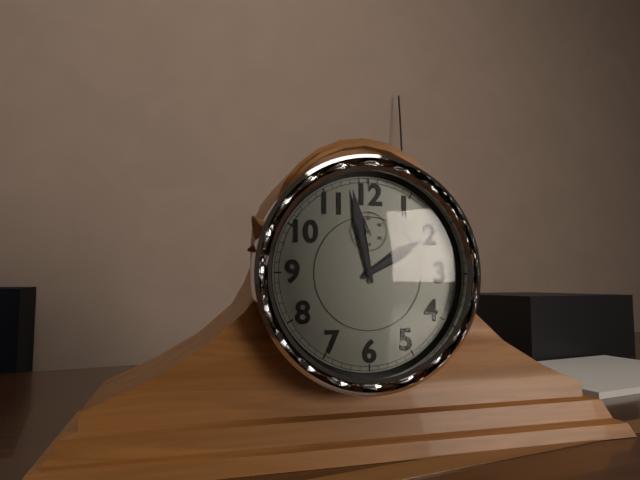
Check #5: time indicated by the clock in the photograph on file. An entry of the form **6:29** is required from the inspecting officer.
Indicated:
**1:58**
